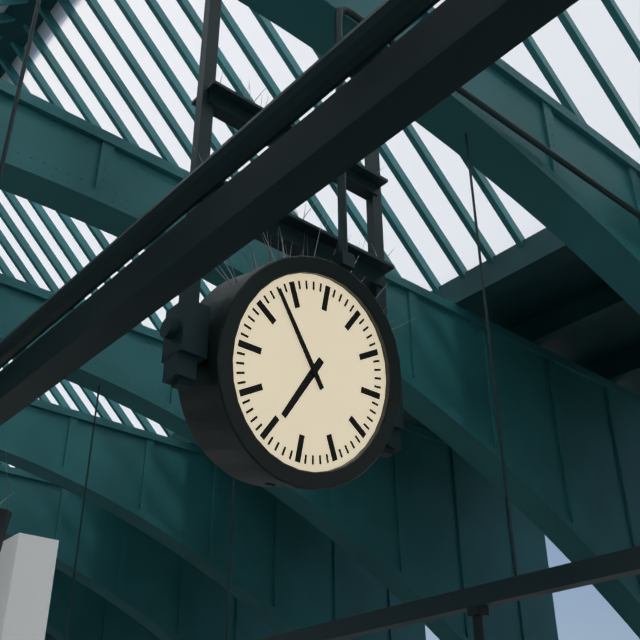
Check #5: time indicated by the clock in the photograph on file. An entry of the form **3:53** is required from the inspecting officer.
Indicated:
**6:53**
